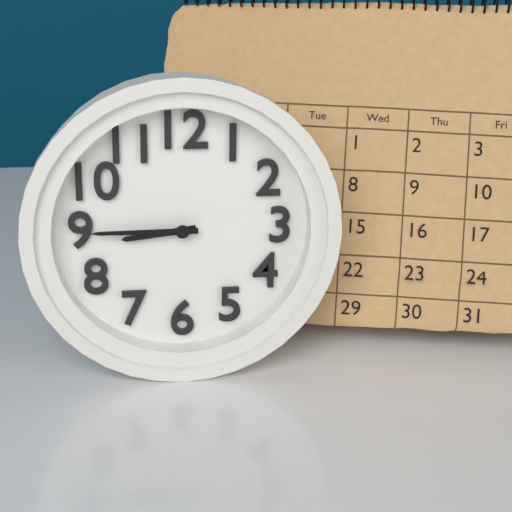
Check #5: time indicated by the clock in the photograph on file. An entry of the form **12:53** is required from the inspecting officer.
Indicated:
**8:45**
